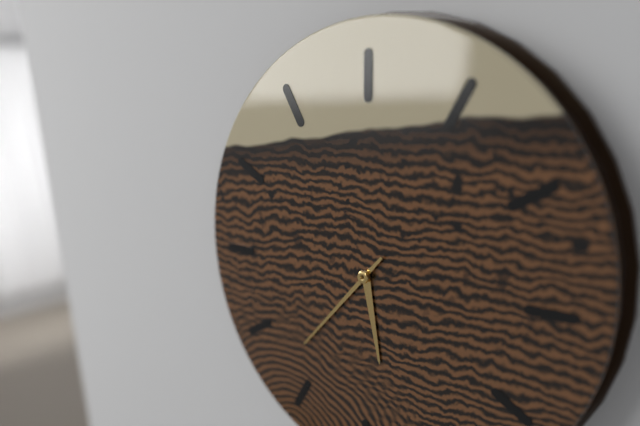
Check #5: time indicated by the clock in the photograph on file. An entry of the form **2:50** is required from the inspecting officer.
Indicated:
**5:37**
